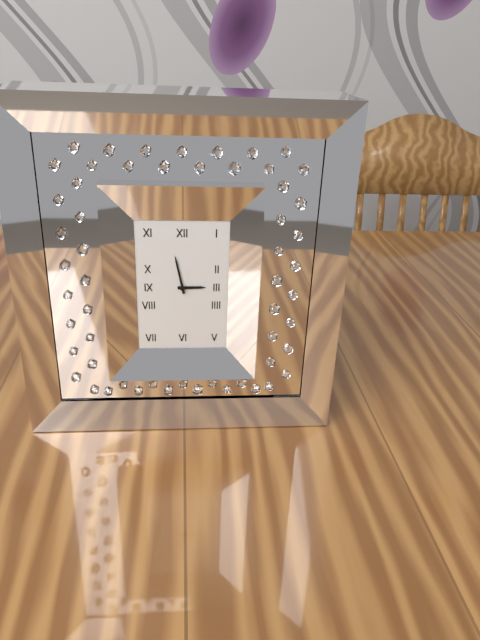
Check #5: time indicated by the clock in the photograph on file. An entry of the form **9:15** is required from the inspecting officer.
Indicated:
**2:58**
